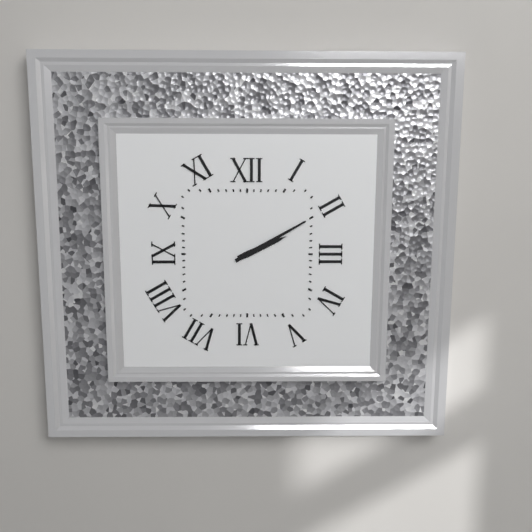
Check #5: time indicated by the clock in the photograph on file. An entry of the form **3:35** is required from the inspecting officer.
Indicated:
**2:10**
